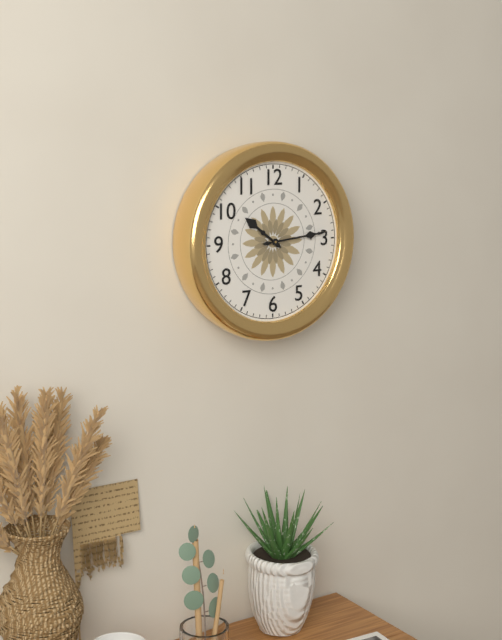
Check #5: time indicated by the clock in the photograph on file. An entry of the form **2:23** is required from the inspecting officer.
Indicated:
**10:14**
